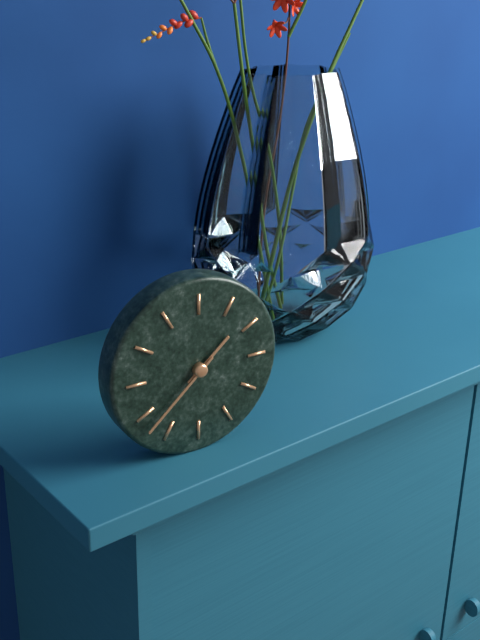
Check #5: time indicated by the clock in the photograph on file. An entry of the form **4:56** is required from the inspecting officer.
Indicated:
**1:38**
